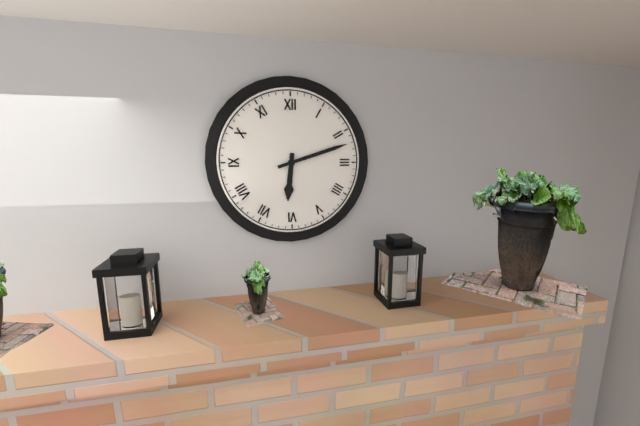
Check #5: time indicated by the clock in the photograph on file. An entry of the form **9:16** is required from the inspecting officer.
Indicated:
**6:12**
